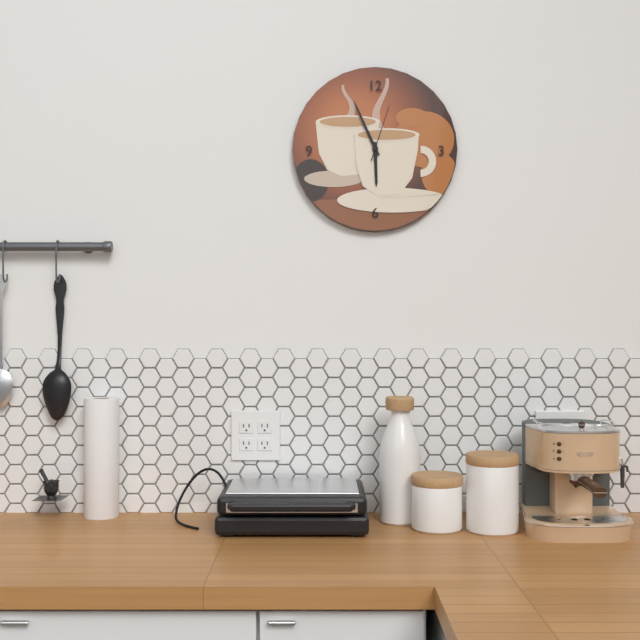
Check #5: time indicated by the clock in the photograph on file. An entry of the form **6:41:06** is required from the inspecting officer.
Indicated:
**5:56:03**
